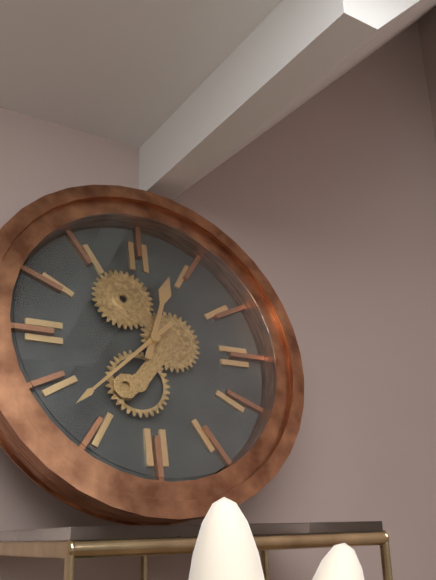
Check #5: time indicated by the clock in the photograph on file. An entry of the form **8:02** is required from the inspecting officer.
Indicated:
**12:38**
